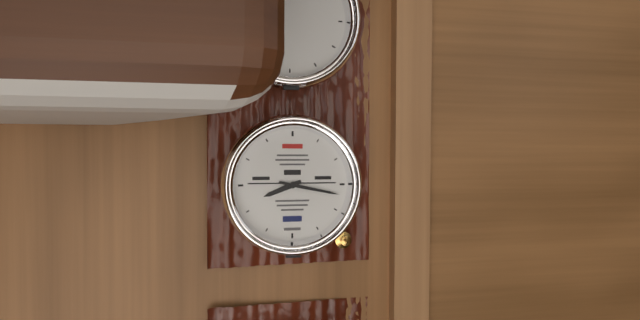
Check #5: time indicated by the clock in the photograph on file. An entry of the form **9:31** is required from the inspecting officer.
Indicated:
**8:17**
